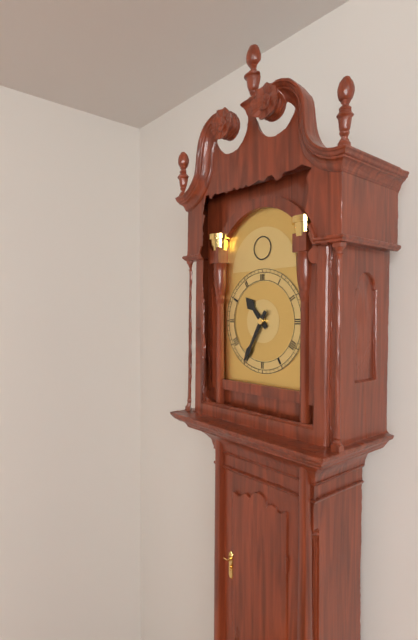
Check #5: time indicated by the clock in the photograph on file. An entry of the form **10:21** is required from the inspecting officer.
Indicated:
**10:35**
